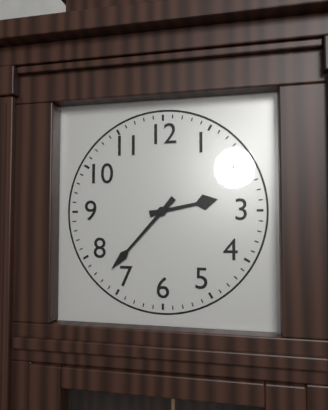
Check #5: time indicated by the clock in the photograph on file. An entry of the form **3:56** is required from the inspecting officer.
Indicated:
**2:37**
